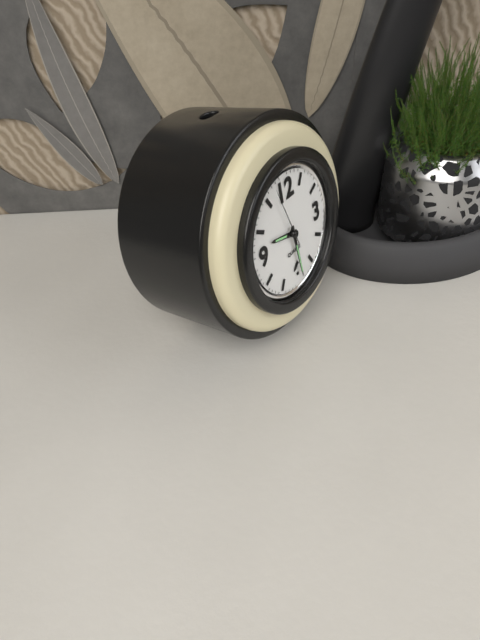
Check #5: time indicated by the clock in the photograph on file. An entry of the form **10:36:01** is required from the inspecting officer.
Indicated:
**9:29:57**
